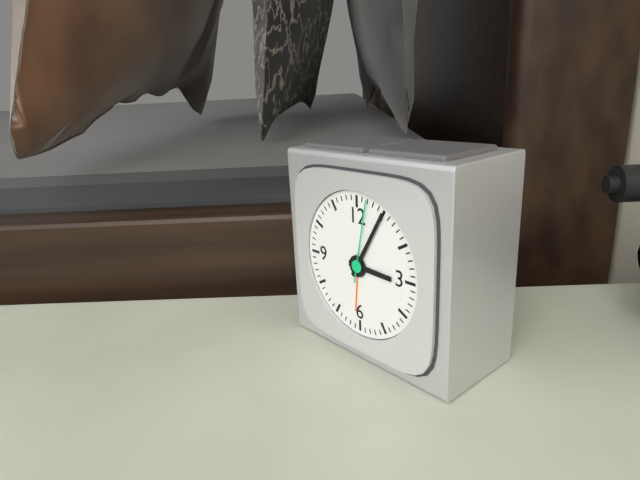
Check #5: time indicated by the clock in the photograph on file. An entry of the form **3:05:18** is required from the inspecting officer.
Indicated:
**3:05:02**
